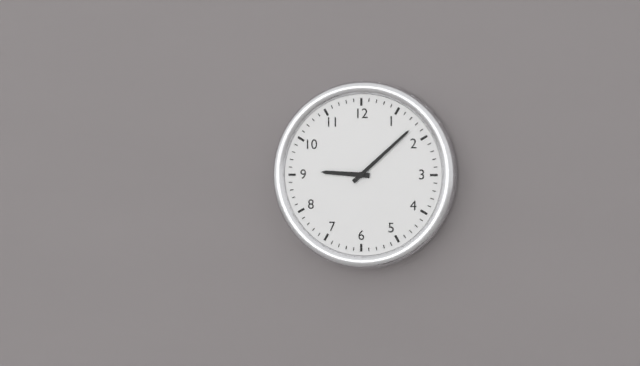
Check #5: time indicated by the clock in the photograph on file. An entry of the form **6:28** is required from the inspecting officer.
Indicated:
**9:08**
